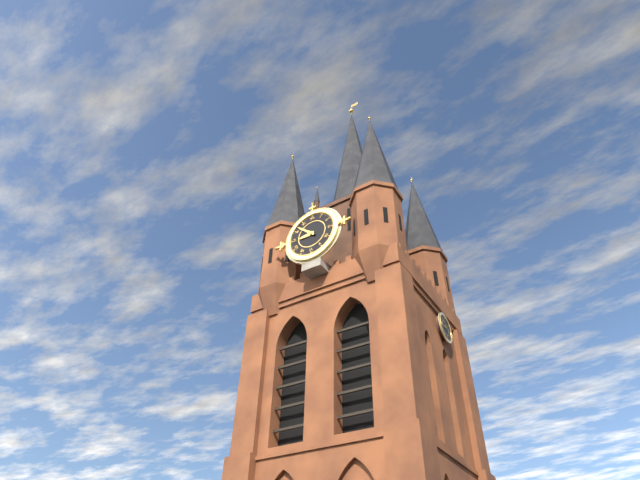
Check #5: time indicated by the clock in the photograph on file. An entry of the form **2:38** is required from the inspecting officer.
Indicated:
**8:52**
